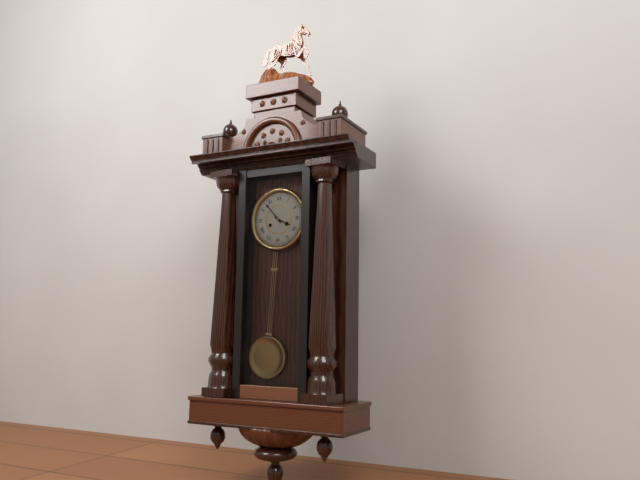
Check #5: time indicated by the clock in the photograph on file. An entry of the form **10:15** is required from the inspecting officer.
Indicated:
**3:53**
